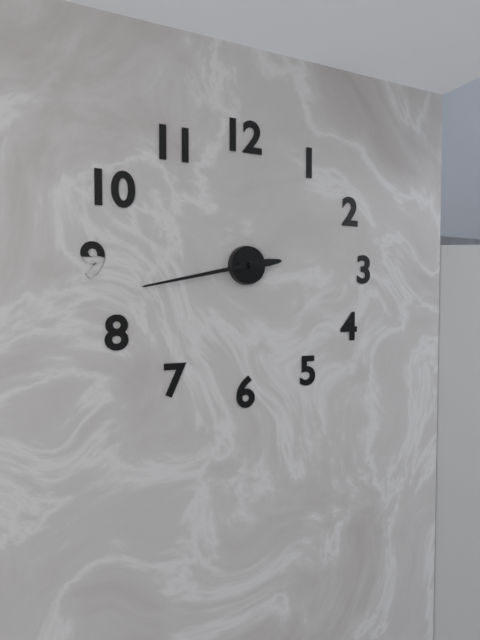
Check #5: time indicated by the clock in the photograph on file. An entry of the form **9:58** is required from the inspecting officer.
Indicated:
**2:43**
